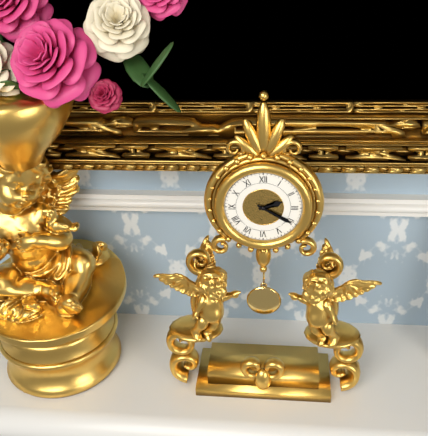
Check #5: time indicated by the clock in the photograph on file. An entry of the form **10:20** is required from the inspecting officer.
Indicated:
**2:20**
